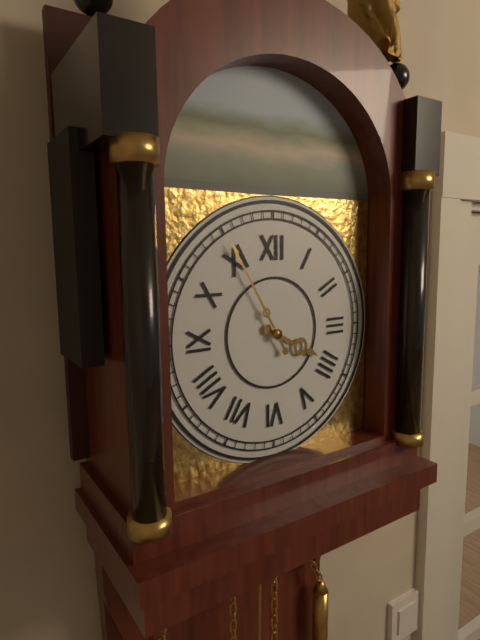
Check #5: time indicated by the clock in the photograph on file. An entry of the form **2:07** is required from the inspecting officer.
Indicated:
**3:55**
